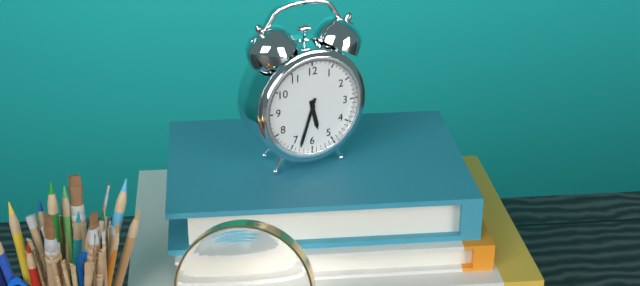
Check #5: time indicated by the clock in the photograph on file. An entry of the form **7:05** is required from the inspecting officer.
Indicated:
**5:33**
